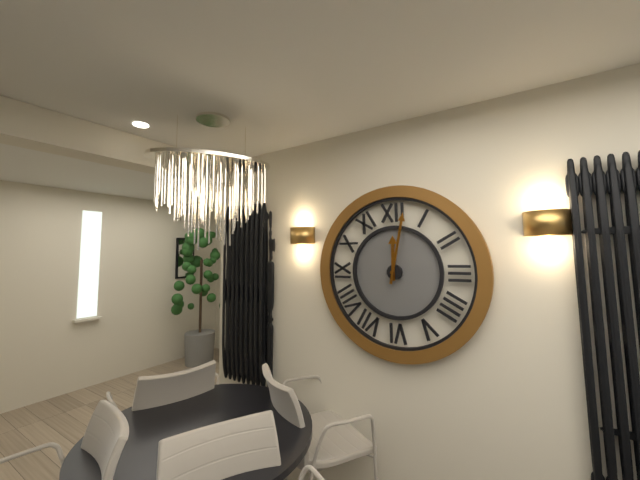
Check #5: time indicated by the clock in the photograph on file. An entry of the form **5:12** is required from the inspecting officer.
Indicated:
**12:02**
